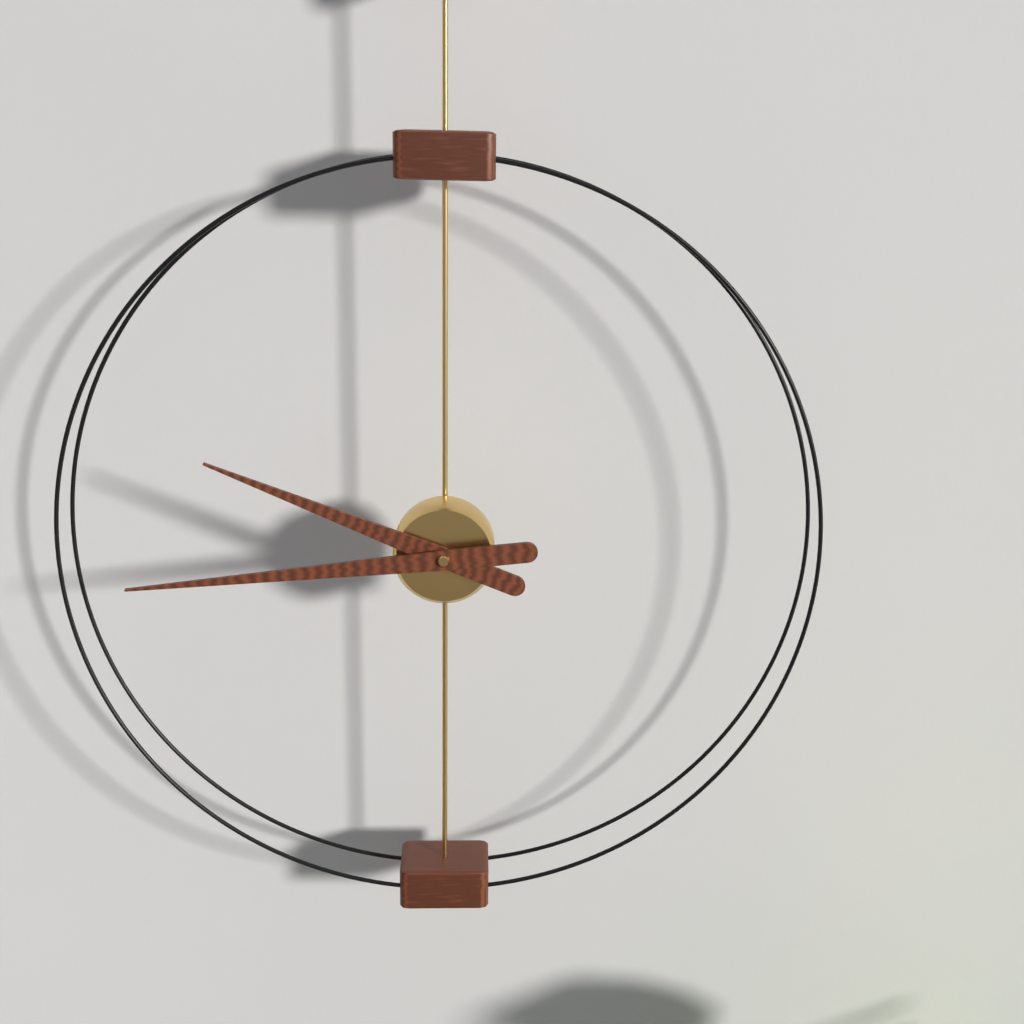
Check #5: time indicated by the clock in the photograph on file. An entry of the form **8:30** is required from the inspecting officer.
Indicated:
**9:44**
